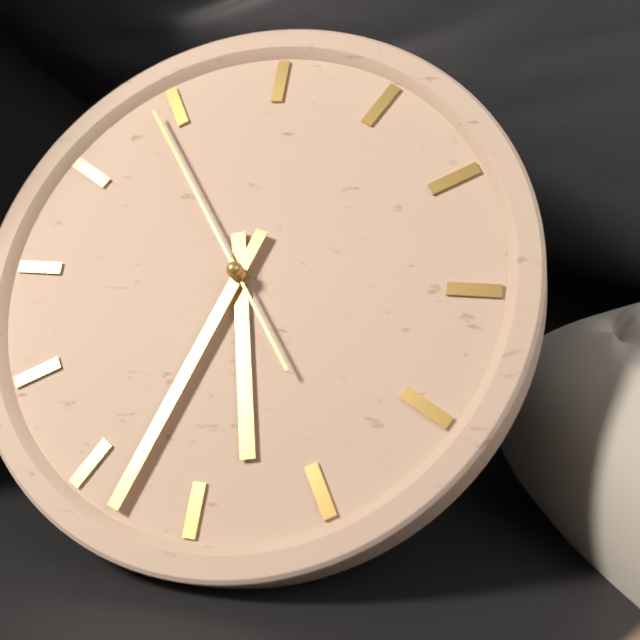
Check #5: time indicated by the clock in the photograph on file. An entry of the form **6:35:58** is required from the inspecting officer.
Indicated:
**5:33:54**
